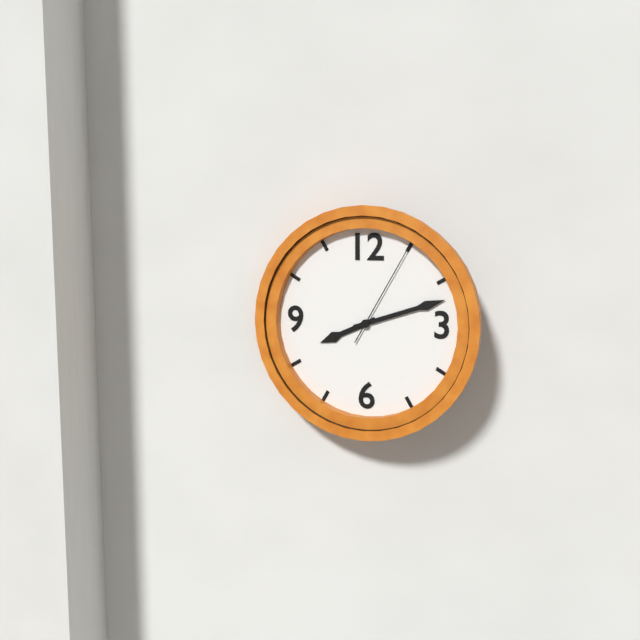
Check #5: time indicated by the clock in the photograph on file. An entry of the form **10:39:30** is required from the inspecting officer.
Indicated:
**8:12:05**
